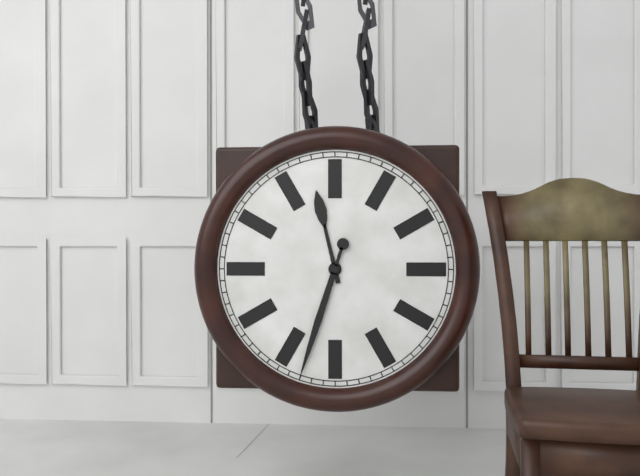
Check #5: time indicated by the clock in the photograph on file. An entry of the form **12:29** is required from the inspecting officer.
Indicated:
**11:33**
